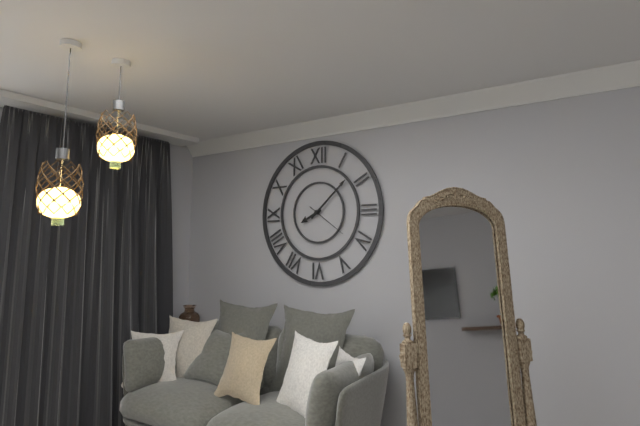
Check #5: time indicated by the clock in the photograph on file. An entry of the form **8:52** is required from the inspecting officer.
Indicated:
**8:08**
